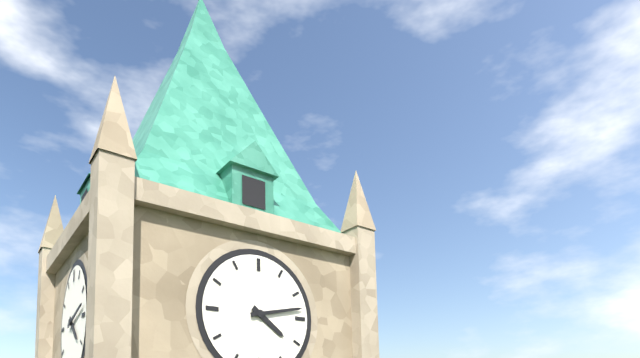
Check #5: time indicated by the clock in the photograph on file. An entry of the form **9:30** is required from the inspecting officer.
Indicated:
**4:13**
